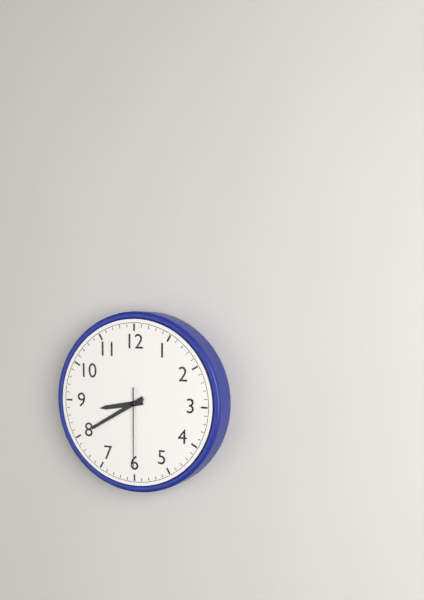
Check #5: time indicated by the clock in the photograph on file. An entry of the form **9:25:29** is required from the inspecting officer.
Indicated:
**8:40:30**
